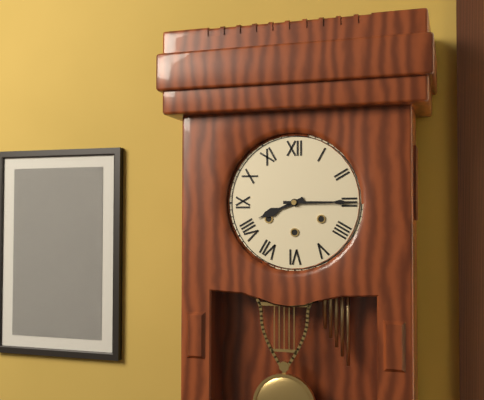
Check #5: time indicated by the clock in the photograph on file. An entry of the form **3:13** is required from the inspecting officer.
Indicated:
**8:15**
